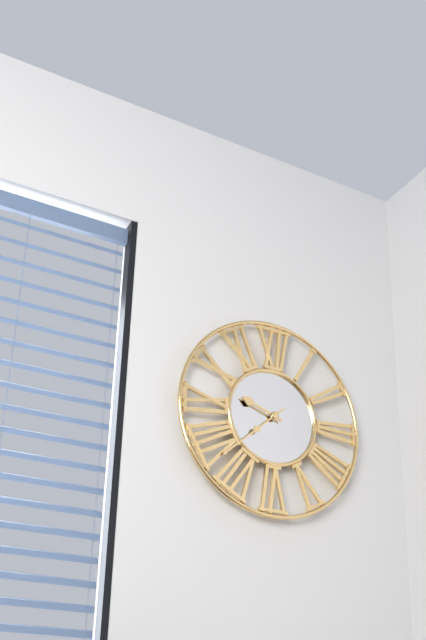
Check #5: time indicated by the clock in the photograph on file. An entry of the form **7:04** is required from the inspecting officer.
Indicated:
**9:38**
